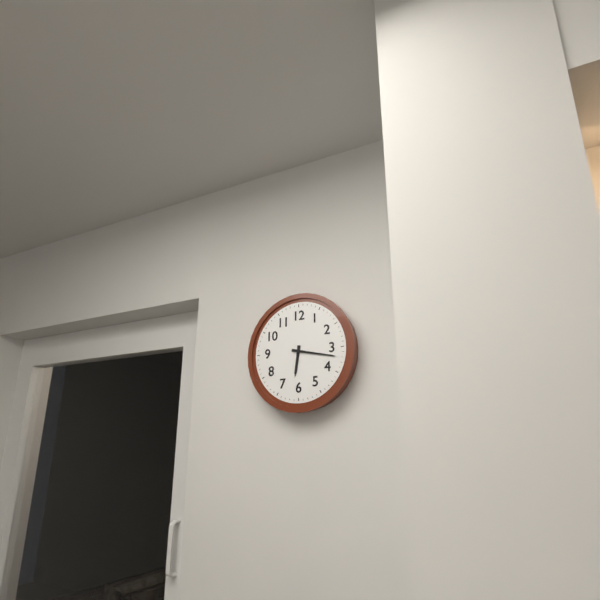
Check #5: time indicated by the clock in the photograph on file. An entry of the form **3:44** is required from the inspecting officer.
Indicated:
**6:17**
